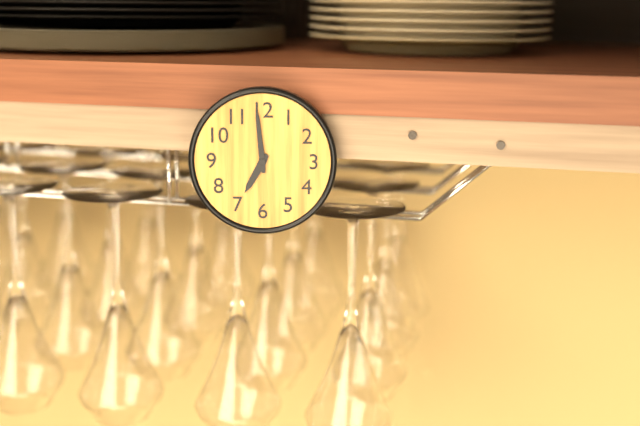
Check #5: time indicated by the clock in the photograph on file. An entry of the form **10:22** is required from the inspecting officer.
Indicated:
**6:59**
